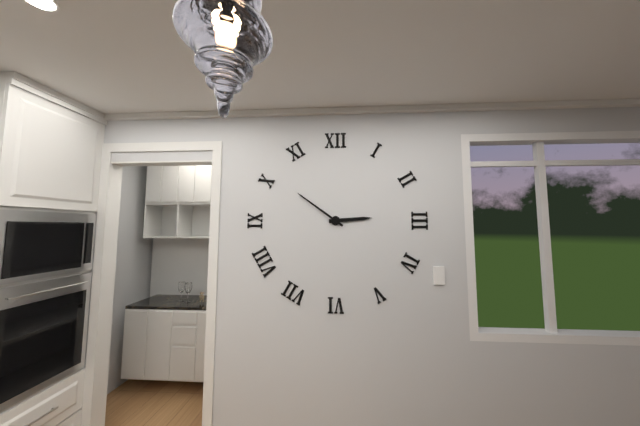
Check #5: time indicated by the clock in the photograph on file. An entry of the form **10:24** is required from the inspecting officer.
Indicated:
**2:51**
